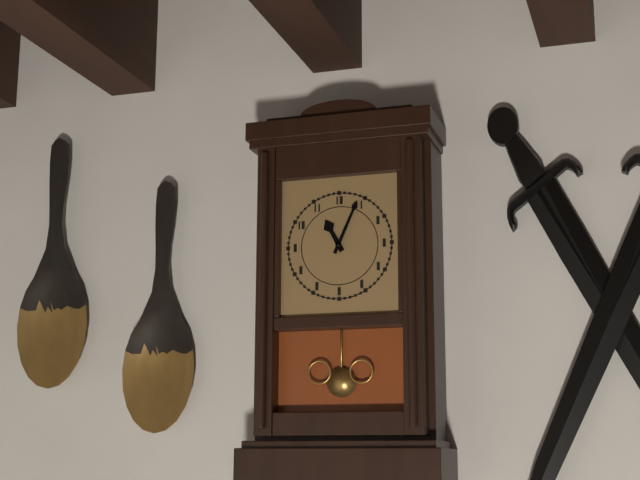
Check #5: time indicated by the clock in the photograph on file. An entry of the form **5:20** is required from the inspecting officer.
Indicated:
**11:04**
